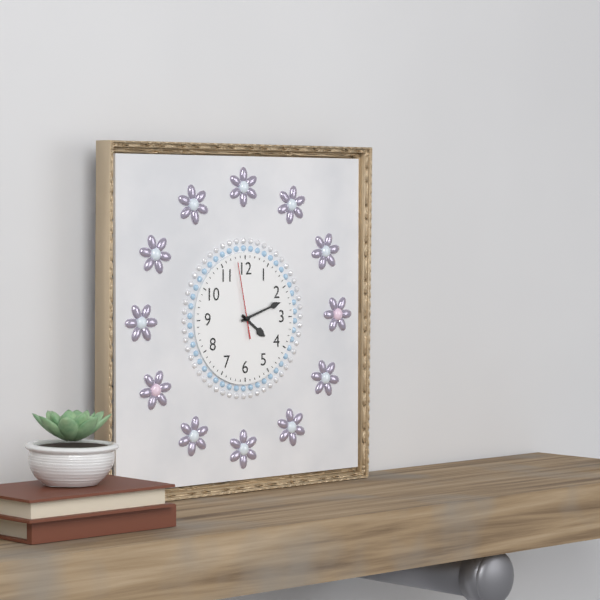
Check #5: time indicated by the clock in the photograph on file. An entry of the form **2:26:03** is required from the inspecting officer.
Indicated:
**4:12:58**
